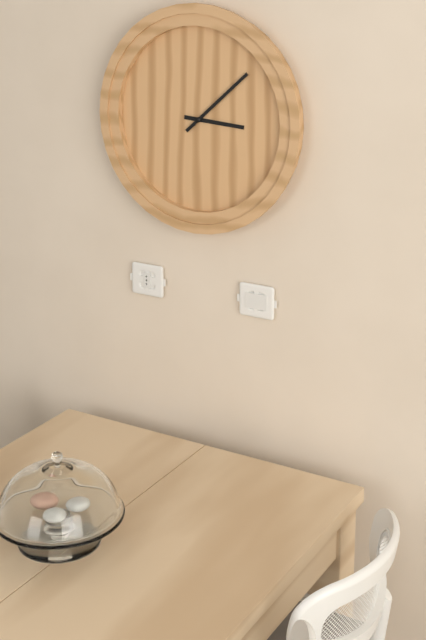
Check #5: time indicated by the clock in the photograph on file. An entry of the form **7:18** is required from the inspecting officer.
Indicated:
**3:08**
